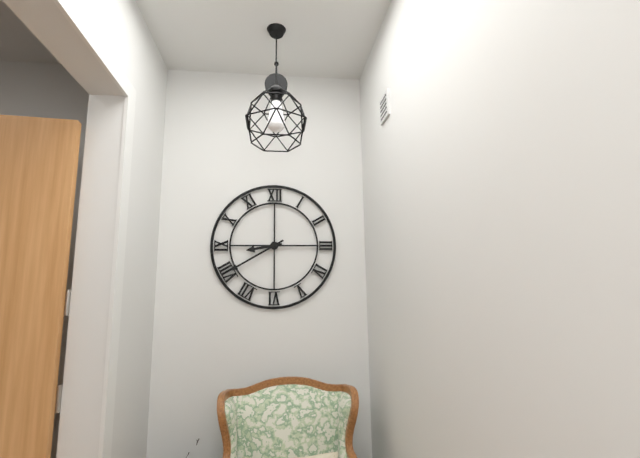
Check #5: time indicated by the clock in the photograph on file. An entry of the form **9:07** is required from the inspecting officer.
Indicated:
**8:40**
